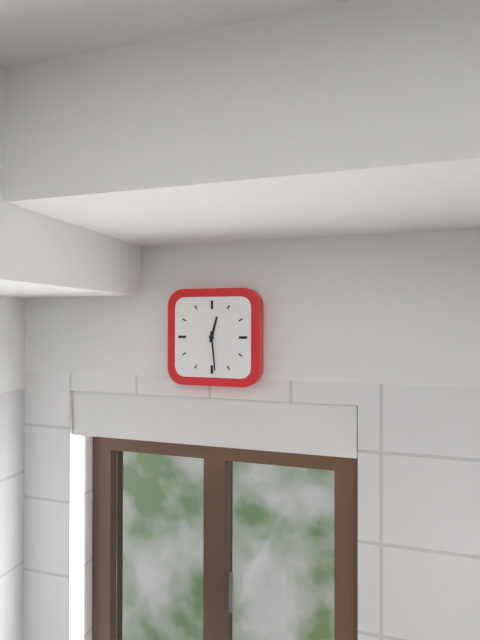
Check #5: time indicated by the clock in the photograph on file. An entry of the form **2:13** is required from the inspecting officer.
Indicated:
**12:29**
